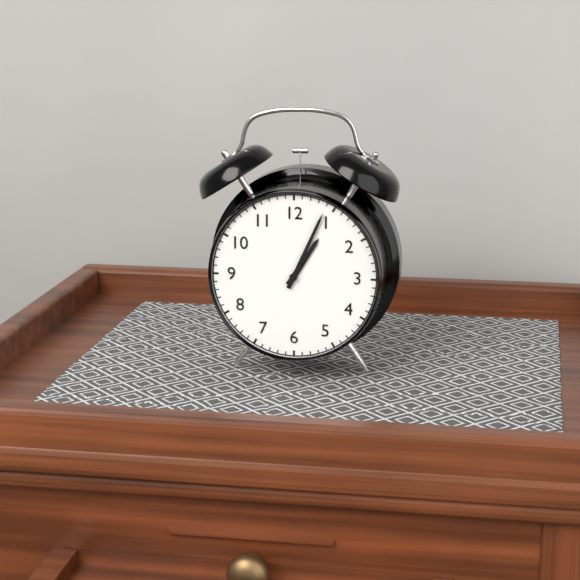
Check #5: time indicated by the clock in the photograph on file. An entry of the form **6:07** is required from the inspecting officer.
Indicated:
**1:04**
